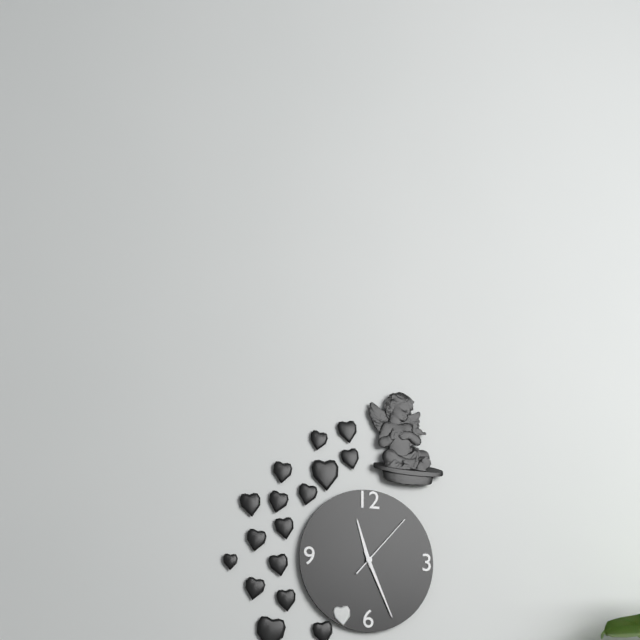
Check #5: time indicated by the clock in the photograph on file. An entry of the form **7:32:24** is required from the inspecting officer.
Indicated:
**11:26:07**
